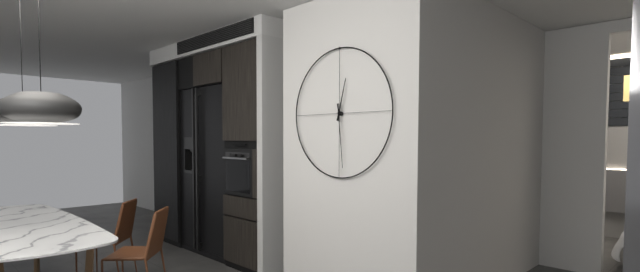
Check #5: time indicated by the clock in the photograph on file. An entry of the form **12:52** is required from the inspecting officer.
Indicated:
**12:29**
